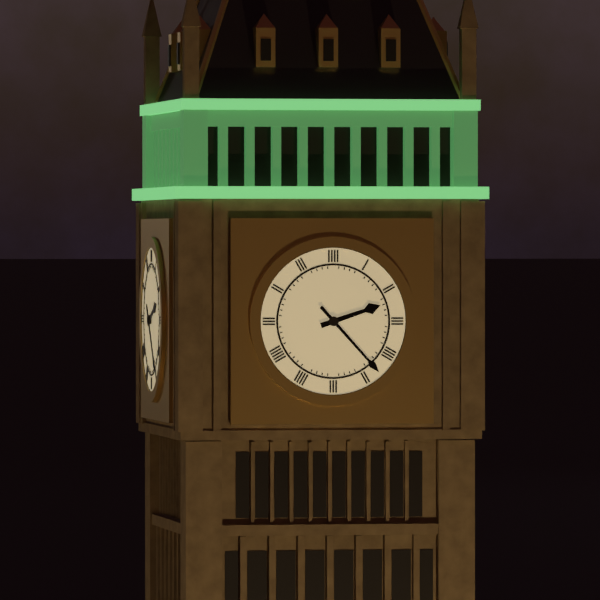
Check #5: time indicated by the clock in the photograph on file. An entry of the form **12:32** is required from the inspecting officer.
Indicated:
**2:23**
